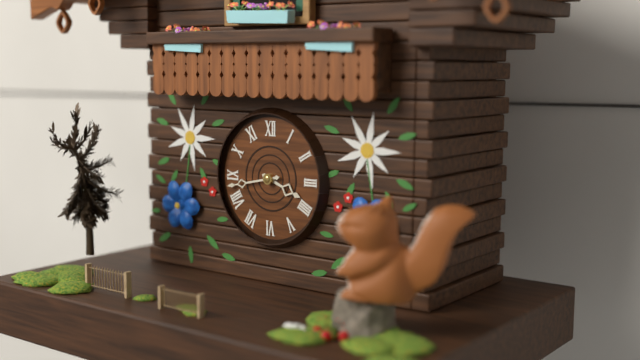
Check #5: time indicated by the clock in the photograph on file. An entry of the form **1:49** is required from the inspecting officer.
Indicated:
**3:43**
